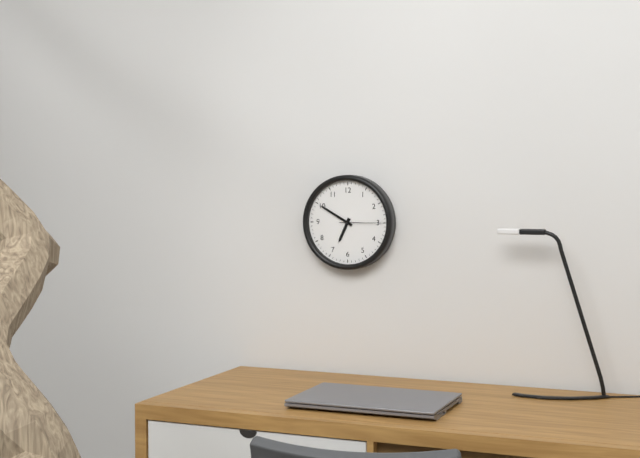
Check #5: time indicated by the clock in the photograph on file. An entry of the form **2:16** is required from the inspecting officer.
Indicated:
**6:50**
